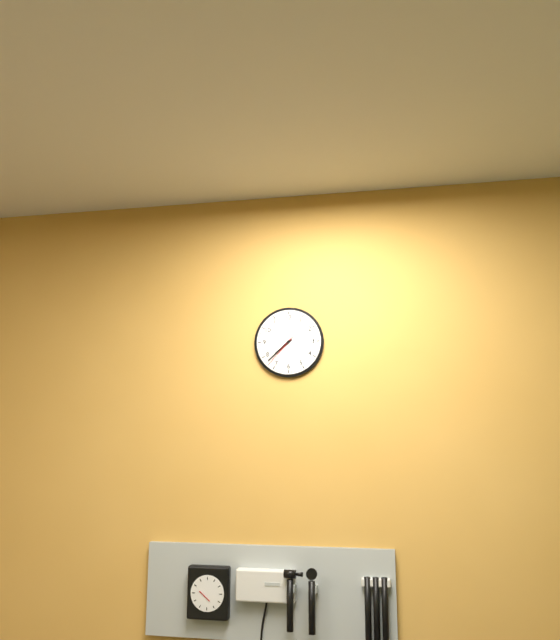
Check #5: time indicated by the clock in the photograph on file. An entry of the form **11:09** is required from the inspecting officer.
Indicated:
**7:38**
